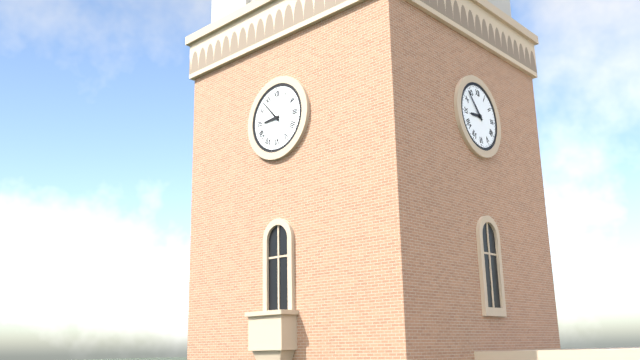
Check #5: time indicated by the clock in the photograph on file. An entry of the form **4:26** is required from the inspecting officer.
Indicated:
**8:53**
